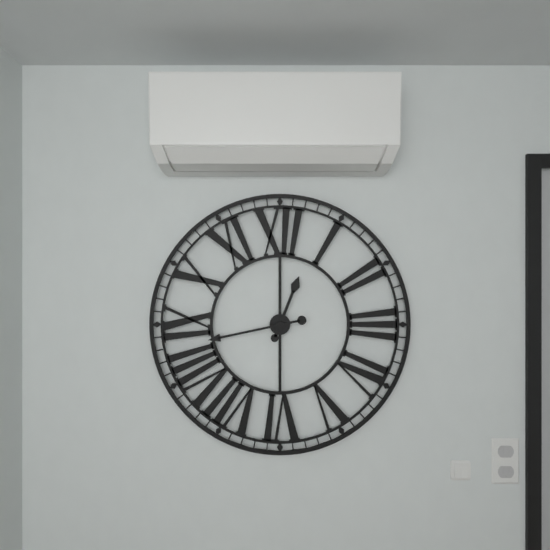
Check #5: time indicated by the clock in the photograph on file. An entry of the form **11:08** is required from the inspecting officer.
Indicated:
**12:43**
